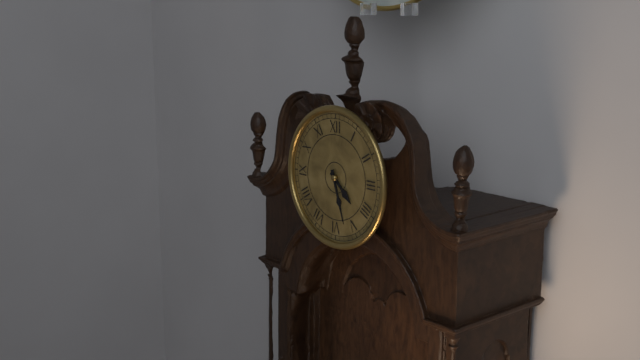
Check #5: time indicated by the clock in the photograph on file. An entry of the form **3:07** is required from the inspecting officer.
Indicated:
**4:27**
